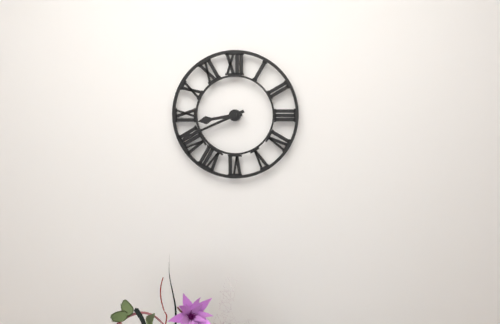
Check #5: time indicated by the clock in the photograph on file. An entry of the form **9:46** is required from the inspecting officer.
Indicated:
**8:41**
